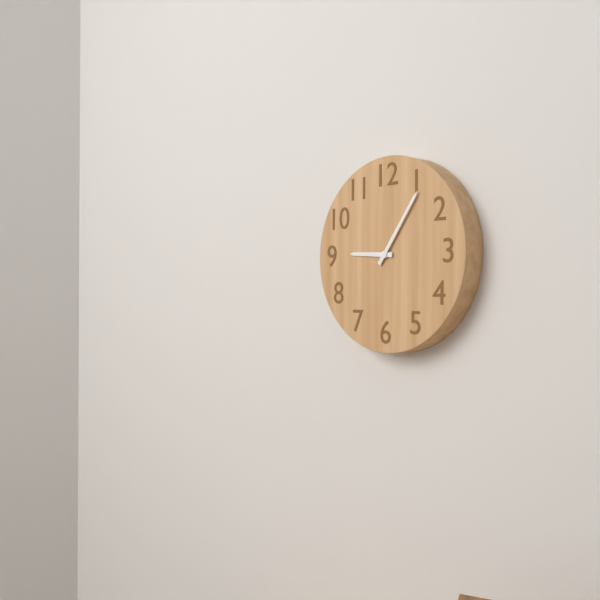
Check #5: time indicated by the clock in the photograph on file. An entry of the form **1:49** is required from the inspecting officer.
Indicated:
**9:06**
